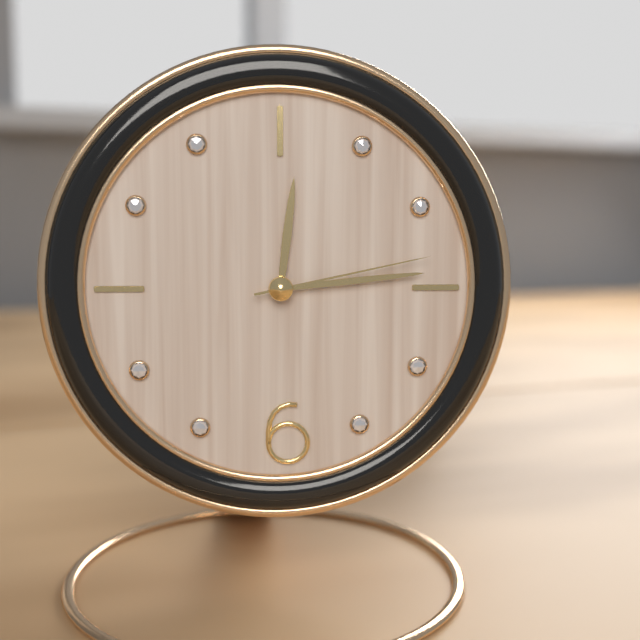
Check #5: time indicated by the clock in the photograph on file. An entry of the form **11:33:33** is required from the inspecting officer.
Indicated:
**12:14:13**
